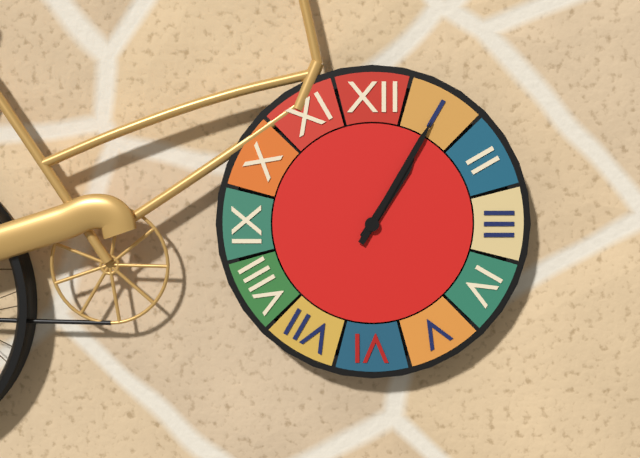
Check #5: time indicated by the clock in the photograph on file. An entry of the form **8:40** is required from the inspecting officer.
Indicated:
**1:05**
